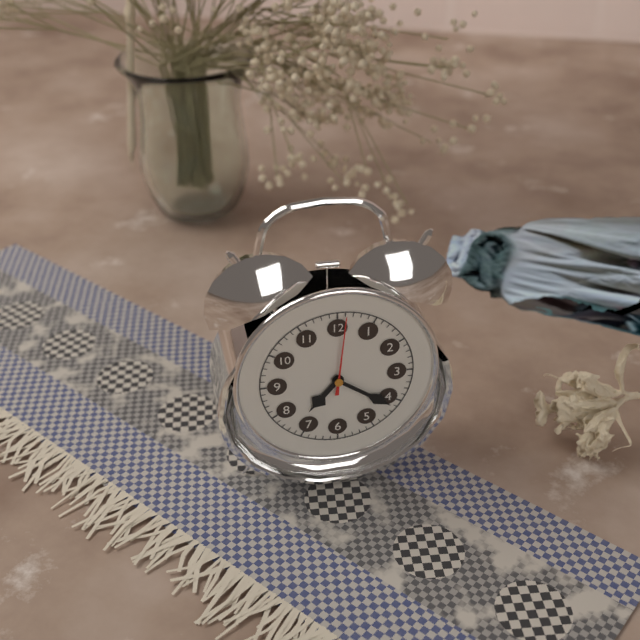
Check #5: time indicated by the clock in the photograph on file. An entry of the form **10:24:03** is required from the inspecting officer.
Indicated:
**7:21:01**
